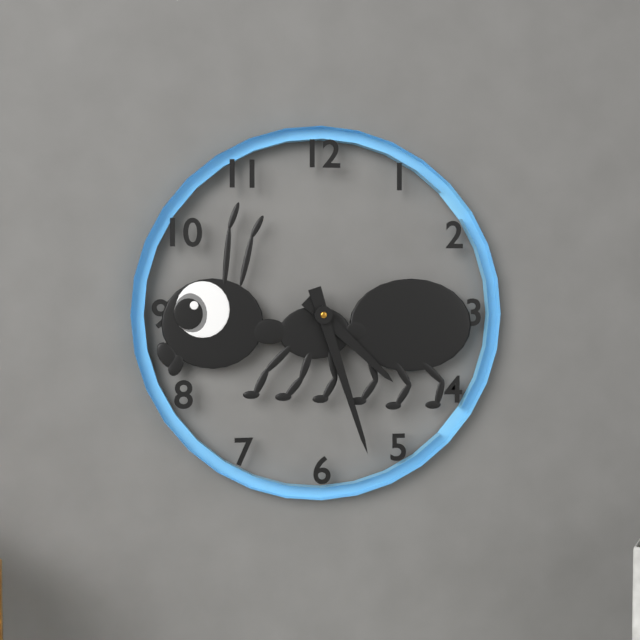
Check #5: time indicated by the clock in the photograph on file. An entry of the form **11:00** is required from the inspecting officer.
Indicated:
**4:27**
